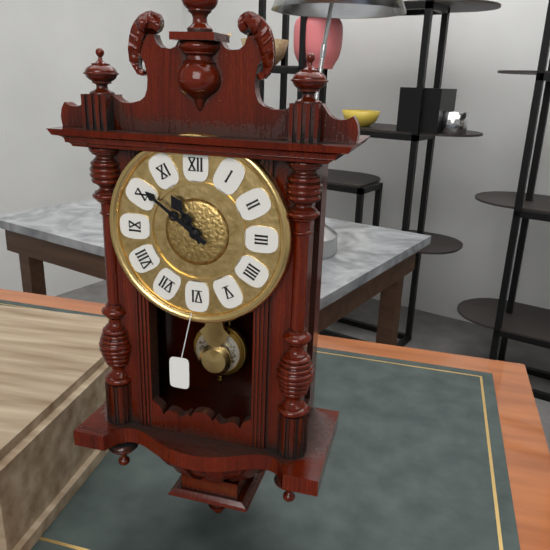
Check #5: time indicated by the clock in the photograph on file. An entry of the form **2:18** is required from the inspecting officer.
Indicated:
**10:51**
